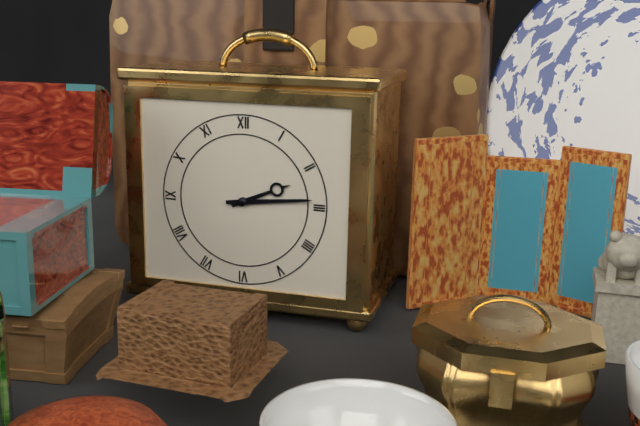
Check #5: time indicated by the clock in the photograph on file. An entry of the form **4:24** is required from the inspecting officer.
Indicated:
**2:14**
